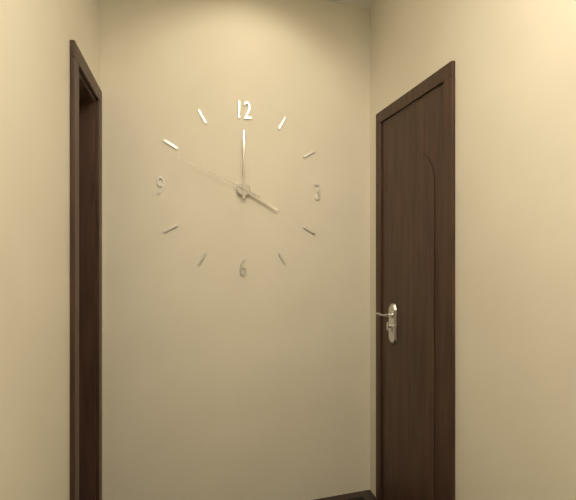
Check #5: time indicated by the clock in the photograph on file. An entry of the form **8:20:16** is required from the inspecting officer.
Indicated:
**4:00:49**
